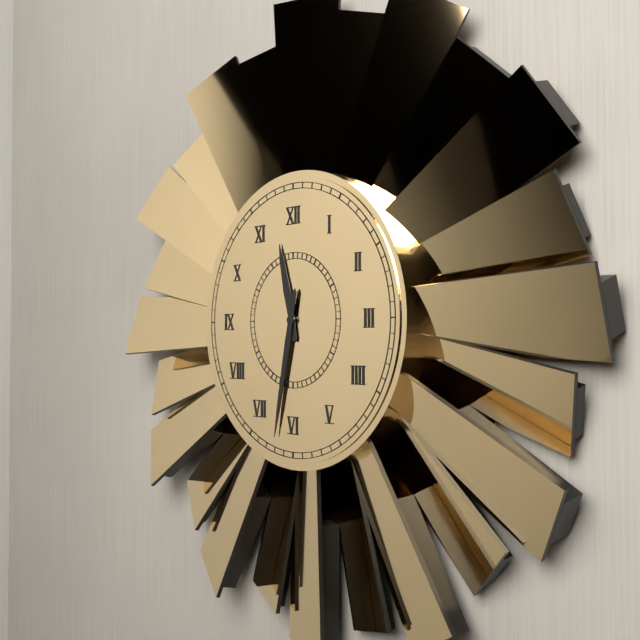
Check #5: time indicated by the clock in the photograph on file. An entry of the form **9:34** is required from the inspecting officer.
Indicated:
**11:32**
